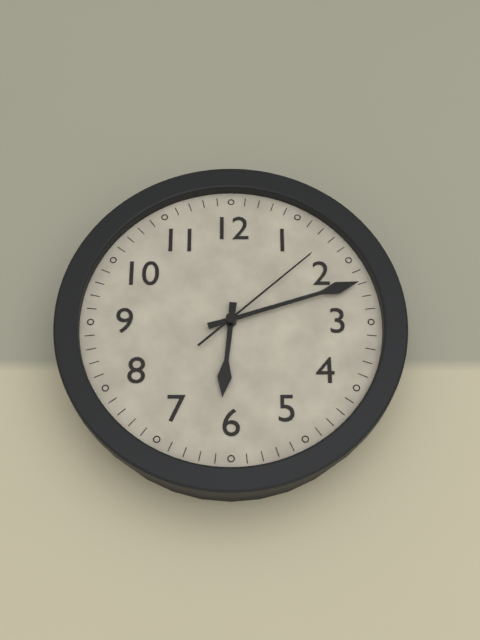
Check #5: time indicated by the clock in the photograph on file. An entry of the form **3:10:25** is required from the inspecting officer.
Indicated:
**6:12:08**
